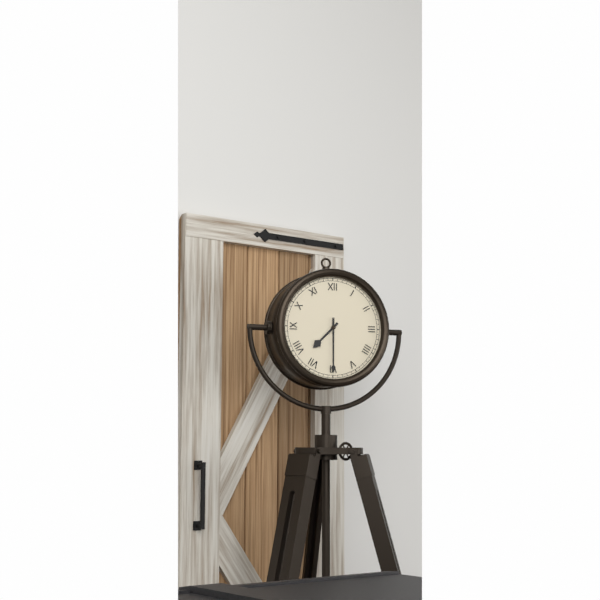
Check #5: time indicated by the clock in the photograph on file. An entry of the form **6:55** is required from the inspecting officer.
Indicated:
**7:30**
